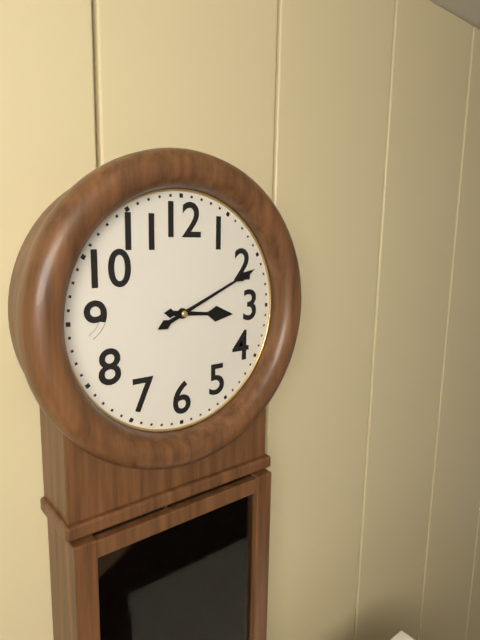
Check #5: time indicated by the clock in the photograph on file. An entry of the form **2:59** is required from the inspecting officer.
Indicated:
**3:11**
